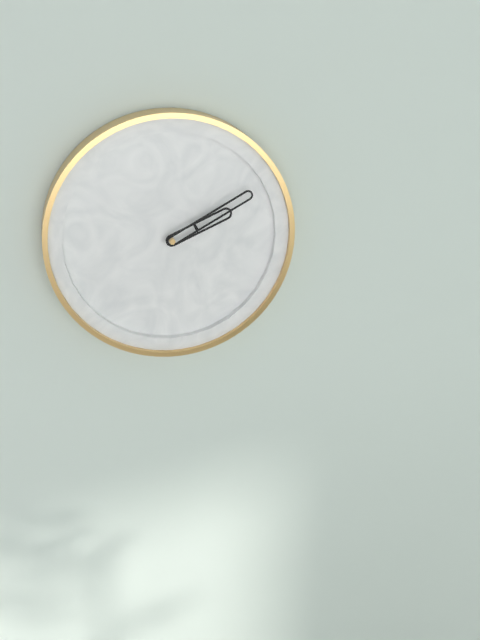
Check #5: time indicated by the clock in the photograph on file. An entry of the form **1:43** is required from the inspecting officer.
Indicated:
**2:10**
